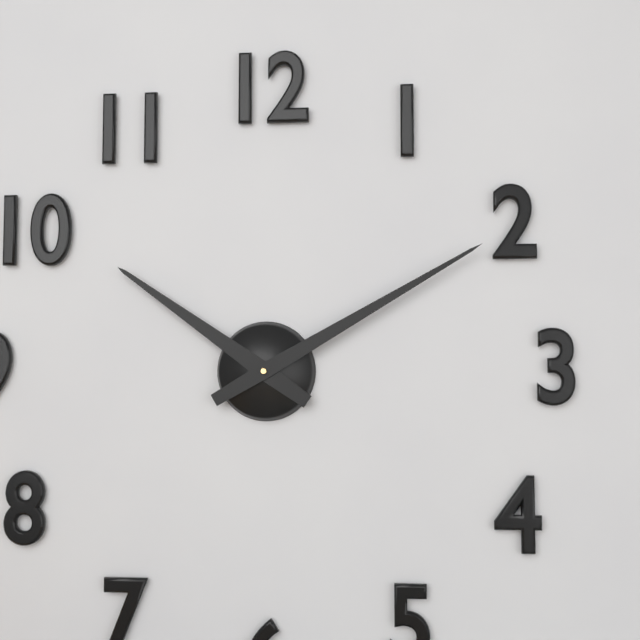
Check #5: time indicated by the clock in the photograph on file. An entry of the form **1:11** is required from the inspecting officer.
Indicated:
**10:10**
